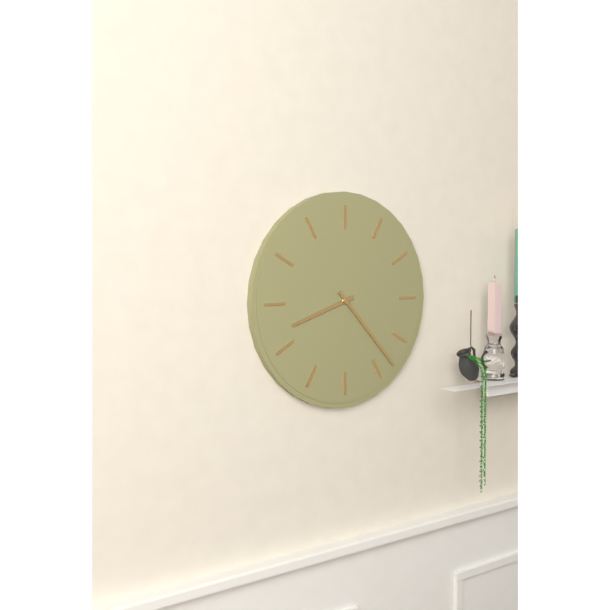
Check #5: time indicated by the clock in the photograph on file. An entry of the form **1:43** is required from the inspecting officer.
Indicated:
**8:23**
